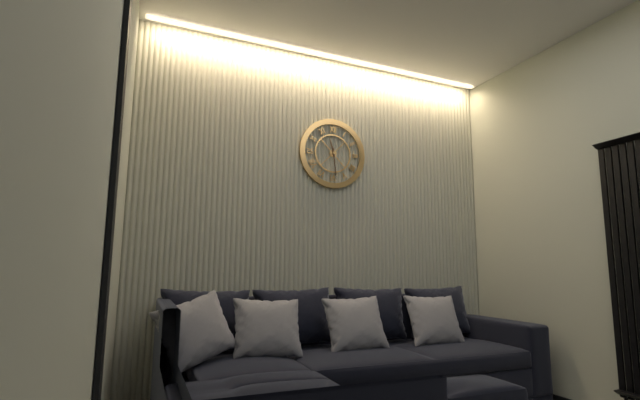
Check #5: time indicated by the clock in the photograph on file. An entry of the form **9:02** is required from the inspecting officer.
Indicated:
**11:29**
